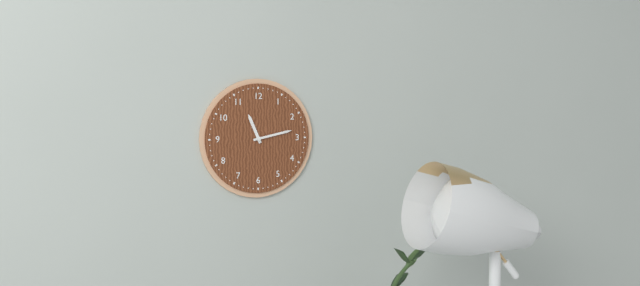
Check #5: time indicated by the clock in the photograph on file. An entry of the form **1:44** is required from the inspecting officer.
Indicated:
**11:13**
